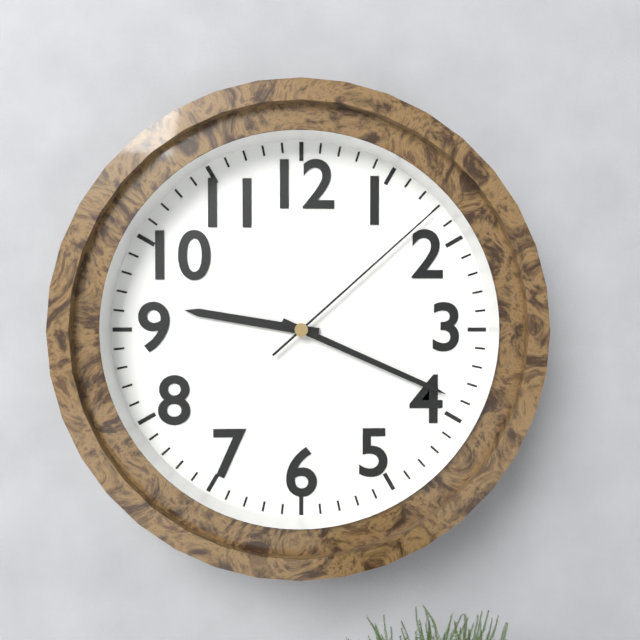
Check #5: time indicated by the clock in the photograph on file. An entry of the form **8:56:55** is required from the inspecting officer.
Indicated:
**9:19:08**
